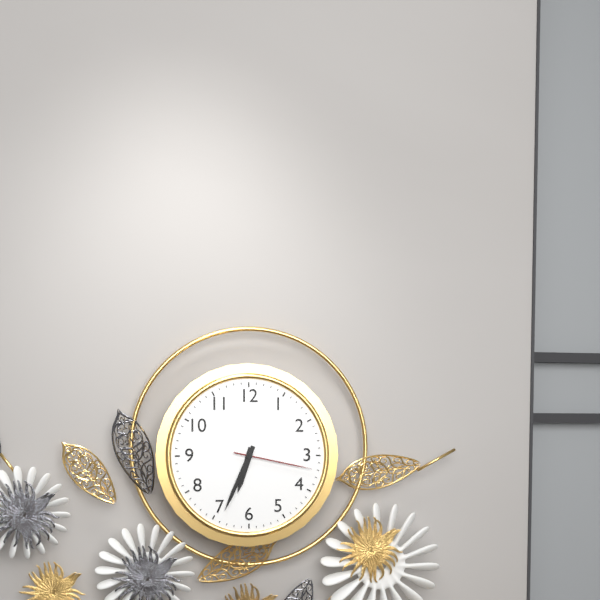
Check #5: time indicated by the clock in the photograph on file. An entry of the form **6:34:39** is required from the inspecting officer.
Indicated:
**6:34:17**
